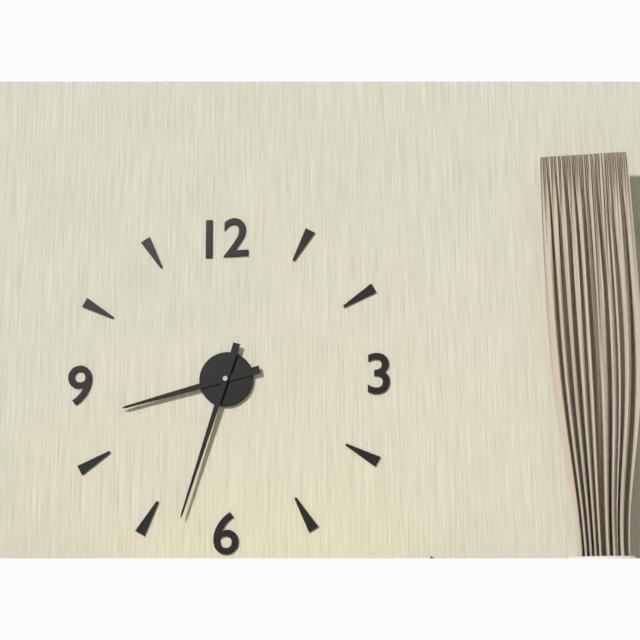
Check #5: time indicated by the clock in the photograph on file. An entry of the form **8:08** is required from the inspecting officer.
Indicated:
**8:33**
